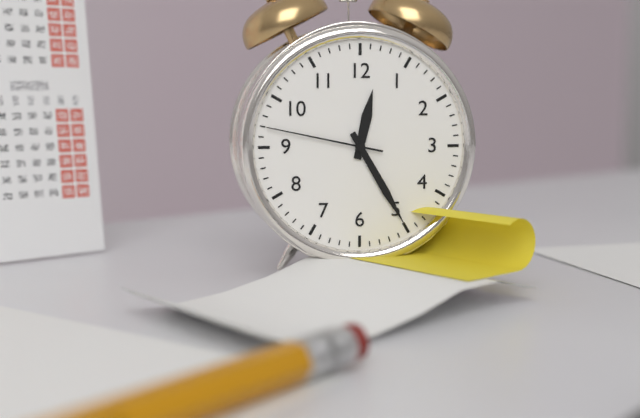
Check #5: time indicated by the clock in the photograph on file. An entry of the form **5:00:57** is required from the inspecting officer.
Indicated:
**12:25:47**
